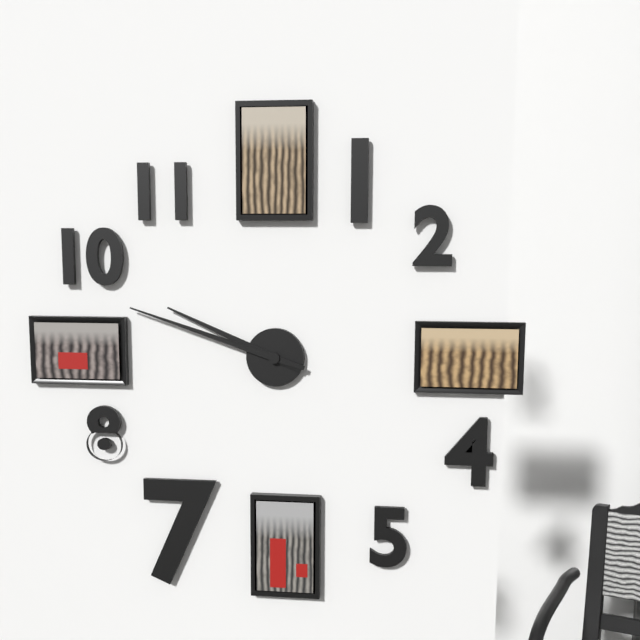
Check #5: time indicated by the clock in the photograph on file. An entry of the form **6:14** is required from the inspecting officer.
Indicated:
**9:48**
